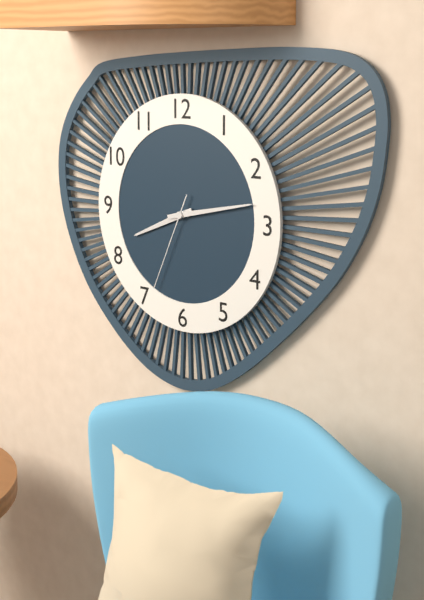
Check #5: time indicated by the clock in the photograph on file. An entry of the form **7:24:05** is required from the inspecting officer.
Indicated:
**8:13:34**
